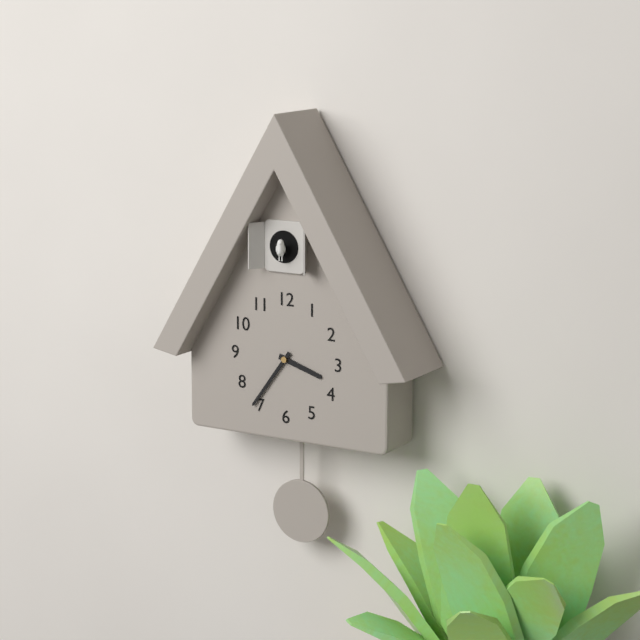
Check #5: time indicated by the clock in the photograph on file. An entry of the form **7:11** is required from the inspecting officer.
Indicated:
**3:36**
